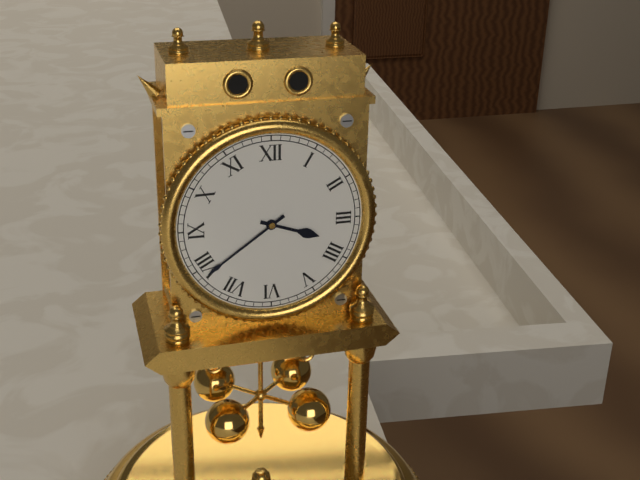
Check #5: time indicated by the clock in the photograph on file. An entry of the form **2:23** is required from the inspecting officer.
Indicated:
**3:39**
